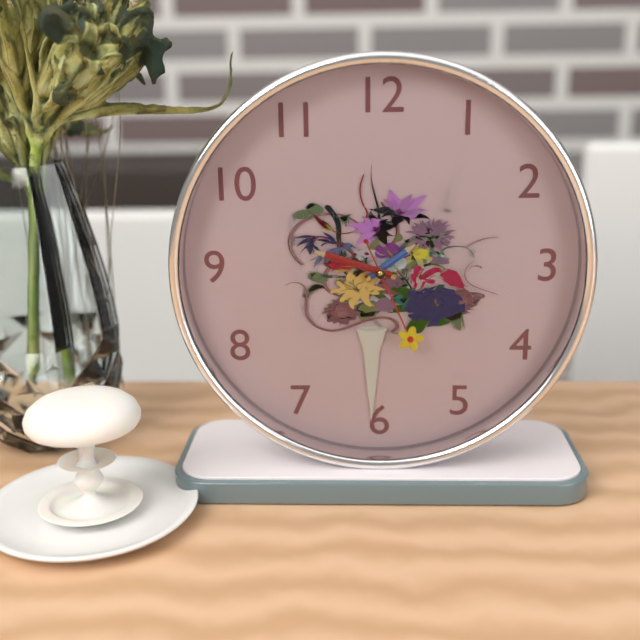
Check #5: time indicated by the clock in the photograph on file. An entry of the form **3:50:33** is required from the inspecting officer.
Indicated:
**1:48:26**
